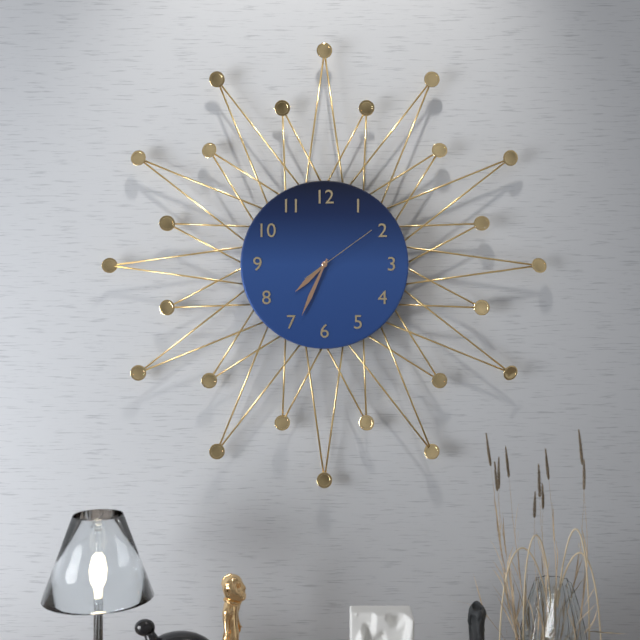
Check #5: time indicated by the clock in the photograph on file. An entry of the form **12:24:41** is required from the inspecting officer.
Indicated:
**7:34:09**
